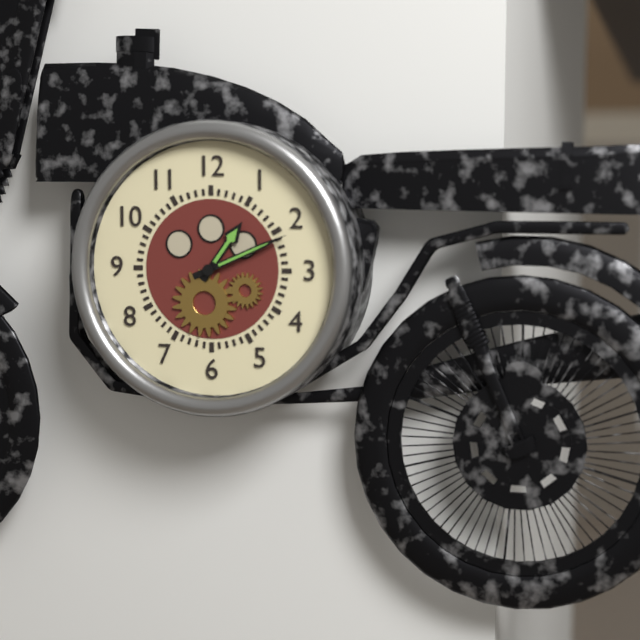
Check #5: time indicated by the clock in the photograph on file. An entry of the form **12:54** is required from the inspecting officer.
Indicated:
**1:11**
